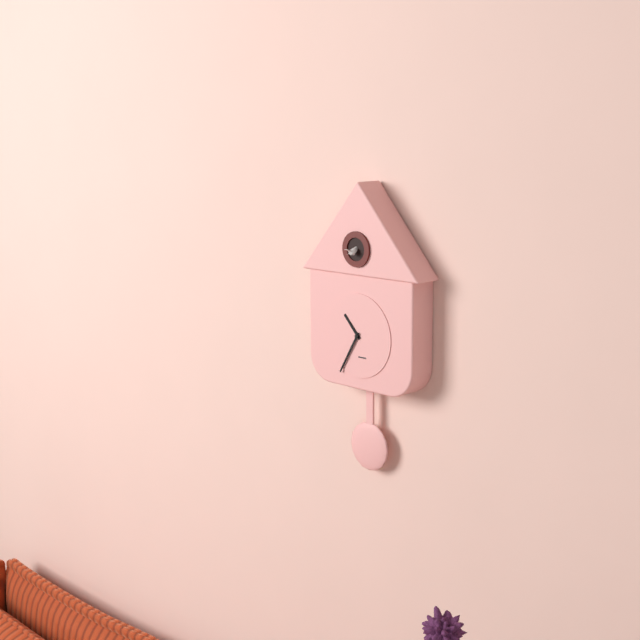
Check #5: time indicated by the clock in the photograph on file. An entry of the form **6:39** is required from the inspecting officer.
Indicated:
**10:35**
